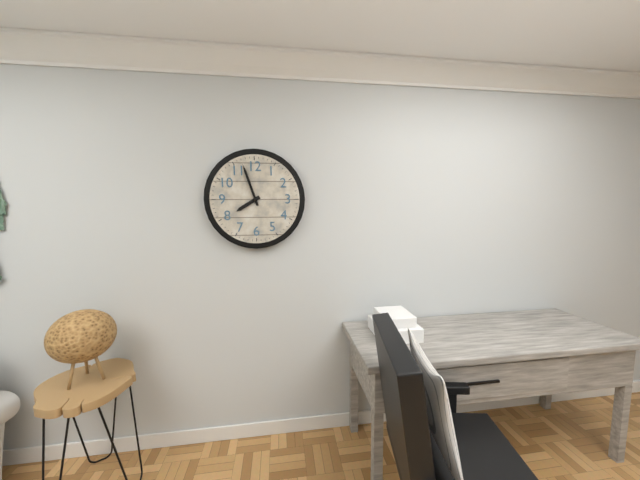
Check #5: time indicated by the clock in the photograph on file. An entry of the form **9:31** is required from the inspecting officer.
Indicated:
**7:57**
